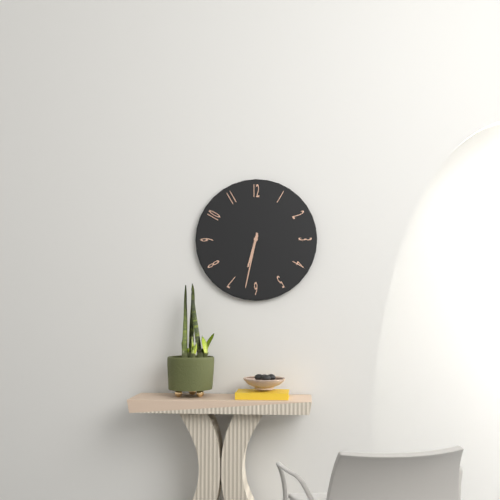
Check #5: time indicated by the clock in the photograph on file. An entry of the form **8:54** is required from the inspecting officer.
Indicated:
**6:32**
